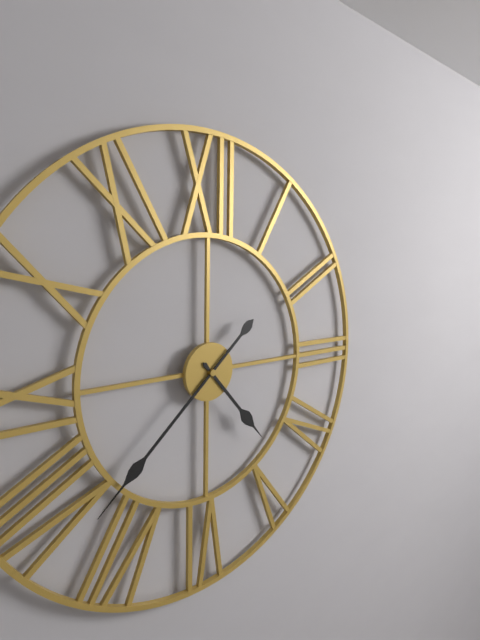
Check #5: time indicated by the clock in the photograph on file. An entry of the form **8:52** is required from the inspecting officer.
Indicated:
**4:38**
